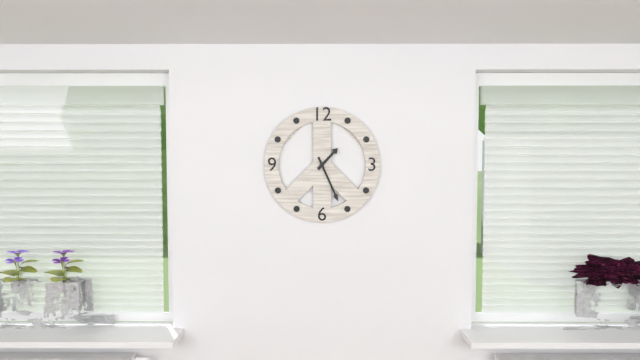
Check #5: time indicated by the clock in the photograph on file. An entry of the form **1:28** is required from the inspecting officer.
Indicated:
**1:26**
